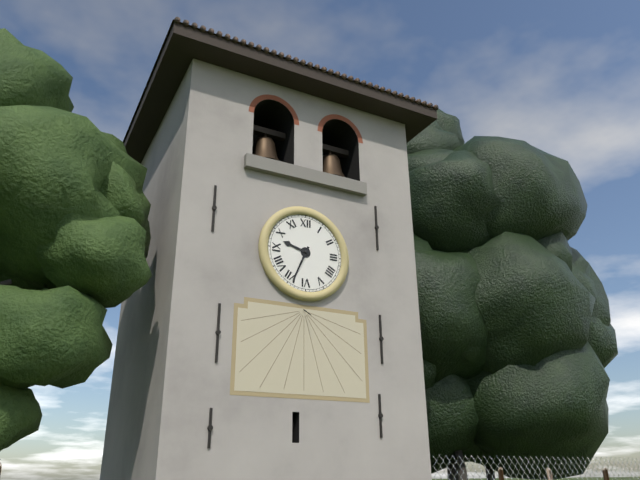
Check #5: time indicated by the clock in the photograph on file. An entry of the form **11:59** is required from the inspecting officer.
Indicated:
**9:34**
